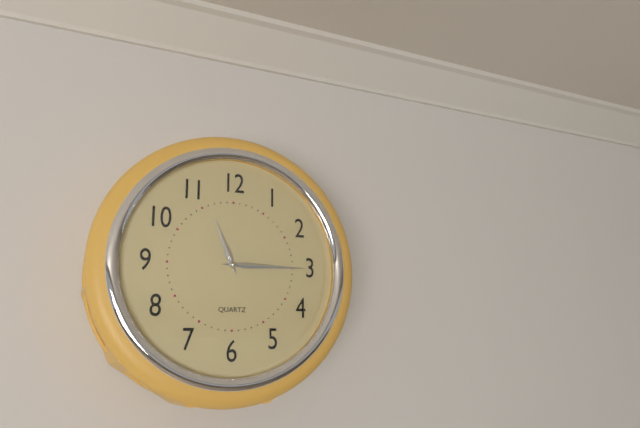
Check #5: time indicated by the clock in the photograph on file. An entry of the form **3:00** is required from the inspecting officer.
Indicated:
**11:15**
